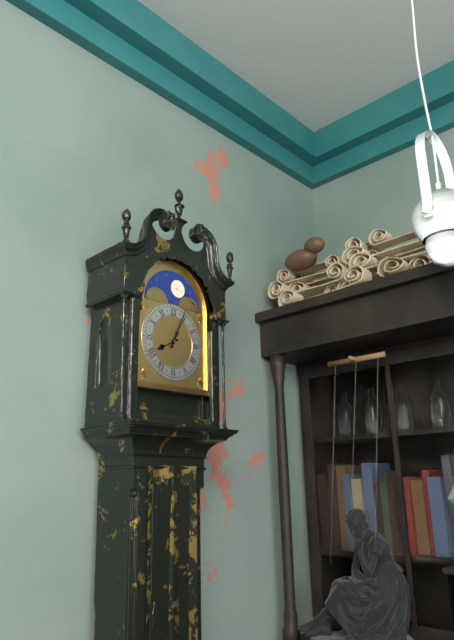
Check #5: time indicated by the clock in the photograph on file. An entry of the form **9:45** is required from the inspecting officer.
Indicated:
**8:04**
